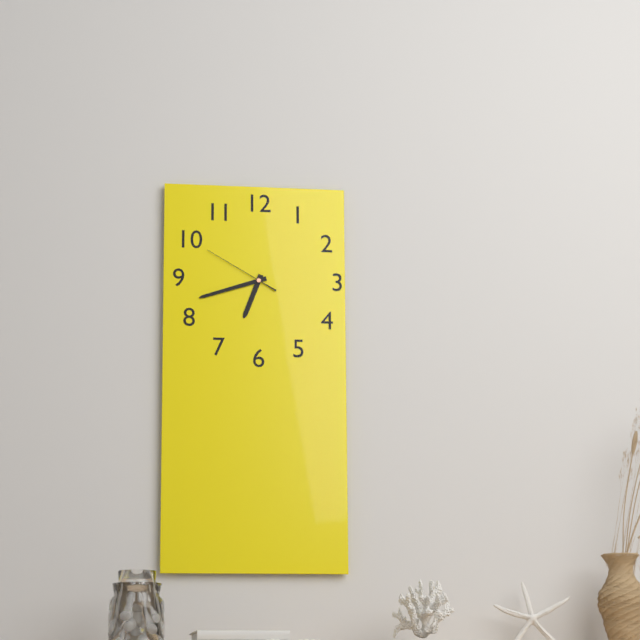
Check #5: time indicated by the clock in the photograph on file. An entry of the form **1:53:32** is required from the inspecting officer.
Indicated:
**6:42:50**
